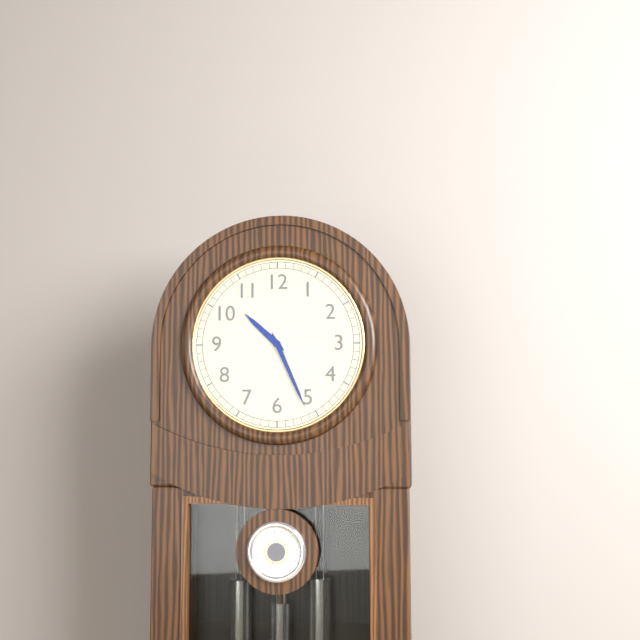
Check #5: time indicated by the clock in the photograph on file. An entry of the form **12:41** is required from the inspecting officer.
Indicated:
**10:26**
